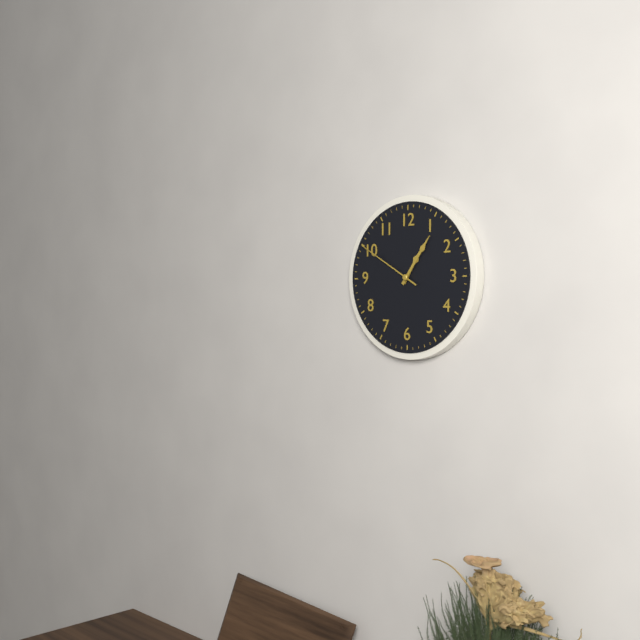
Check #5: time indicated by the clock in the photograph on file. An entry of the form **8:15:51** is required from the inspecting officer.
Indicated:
**1:06:50**
